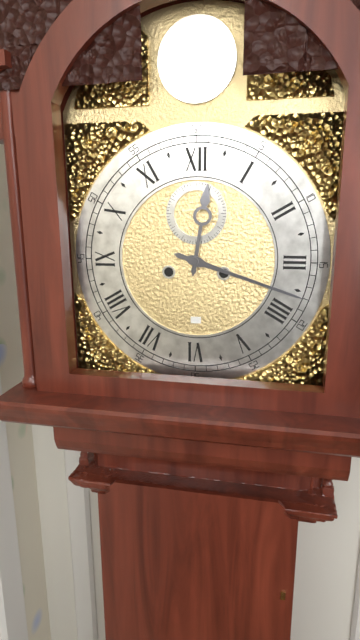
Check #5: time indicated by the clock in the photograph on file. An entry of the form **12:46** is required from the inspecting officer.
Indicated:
**12:18**
